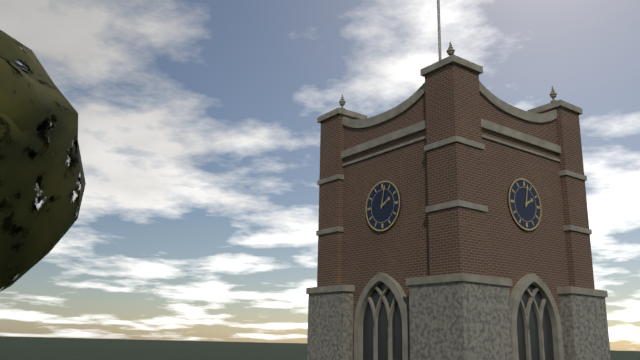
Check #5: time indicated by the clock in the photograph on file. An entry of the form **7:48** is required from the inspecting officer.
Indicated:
**2:02**
